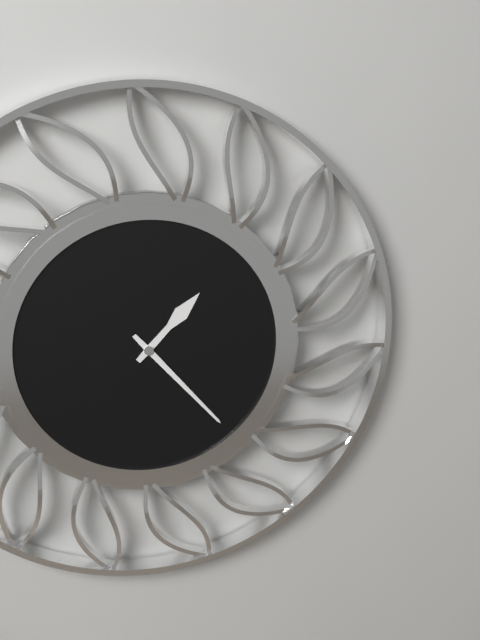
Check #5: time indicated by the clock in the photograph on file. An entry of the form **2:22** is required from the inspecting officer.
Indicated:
**1:23**
